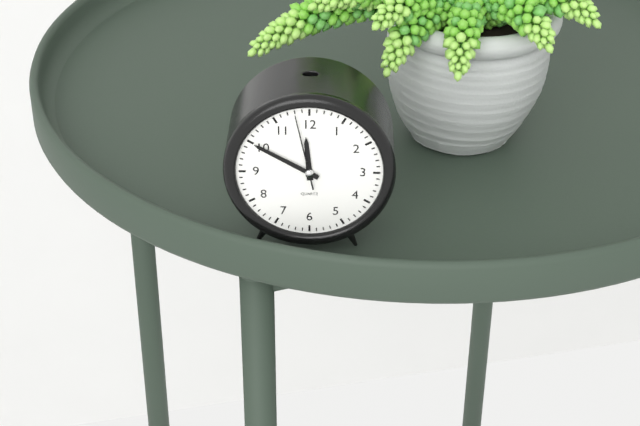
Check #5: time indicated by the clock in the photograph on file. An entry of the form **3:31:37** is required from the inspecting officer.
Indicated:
**11:50:58**
